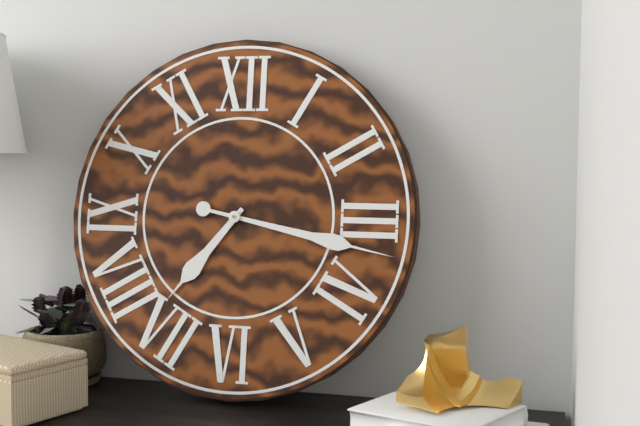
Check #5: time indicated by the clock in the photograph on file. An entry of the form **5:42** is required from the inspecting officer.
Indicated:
**7:17**
